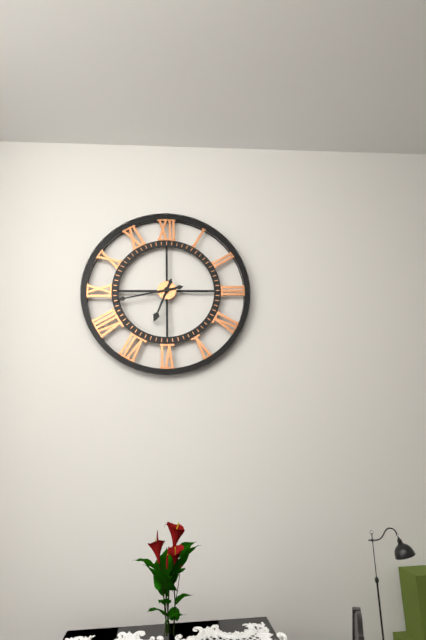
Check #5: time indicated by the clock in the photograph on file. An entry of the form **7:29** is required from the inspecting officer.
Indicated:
**6:43**
